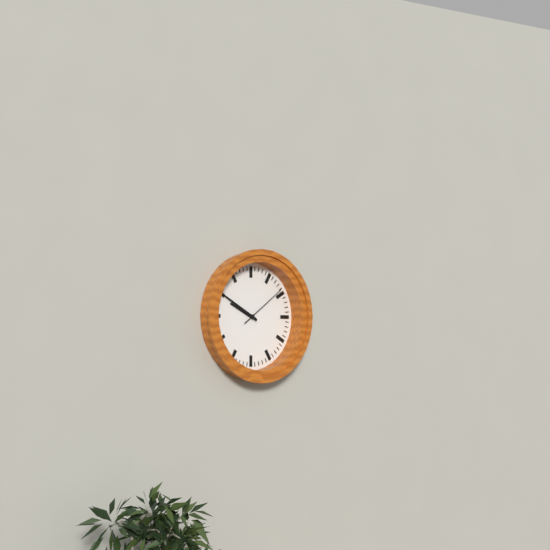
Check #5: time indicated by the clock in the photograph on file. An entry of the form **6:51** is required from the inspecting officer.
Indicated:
**9:50**
